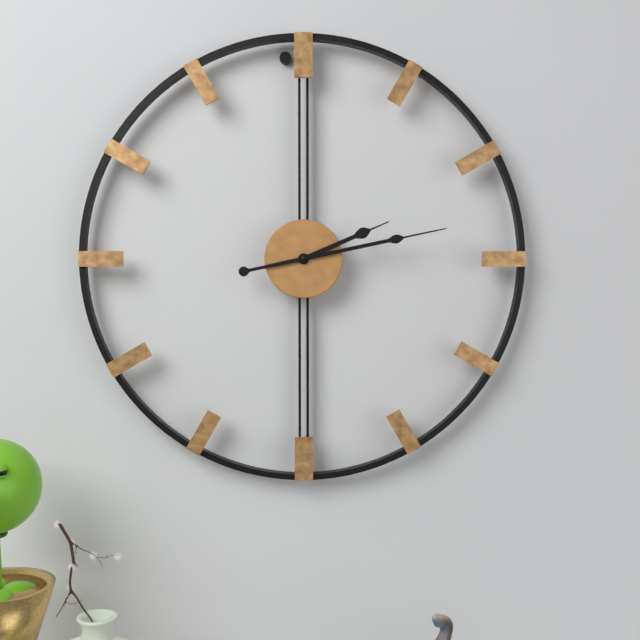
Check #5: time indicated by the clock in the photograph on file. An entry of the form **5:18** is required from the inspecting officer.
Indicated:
**2:13**
